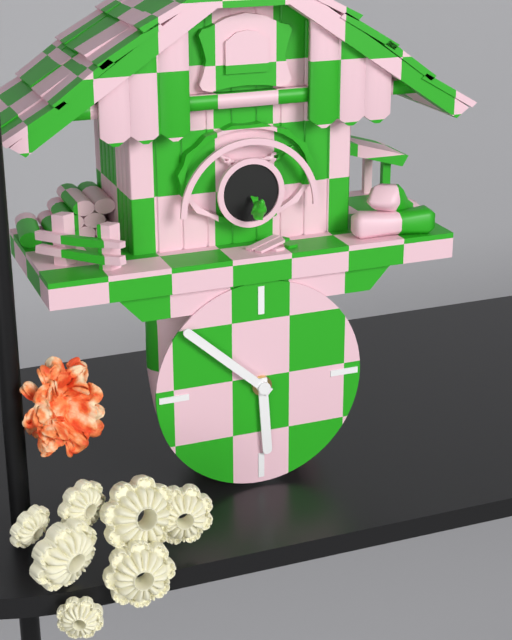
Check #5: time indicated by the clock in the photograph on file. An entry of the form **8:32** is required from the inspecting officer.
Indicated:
**5:52**
